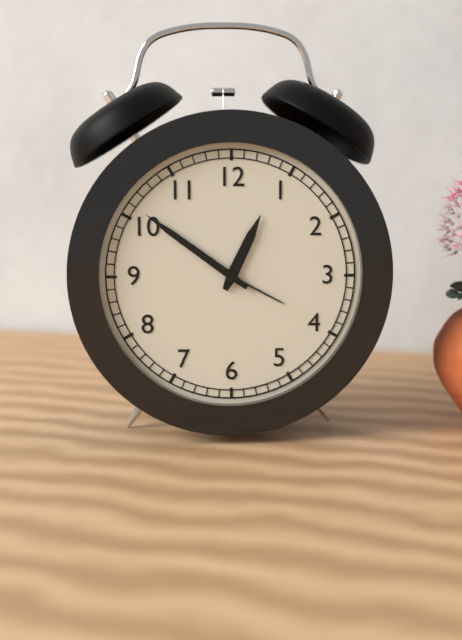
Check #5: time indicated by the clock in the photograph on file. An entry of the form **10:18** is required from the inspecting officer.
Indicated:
**12:51**
